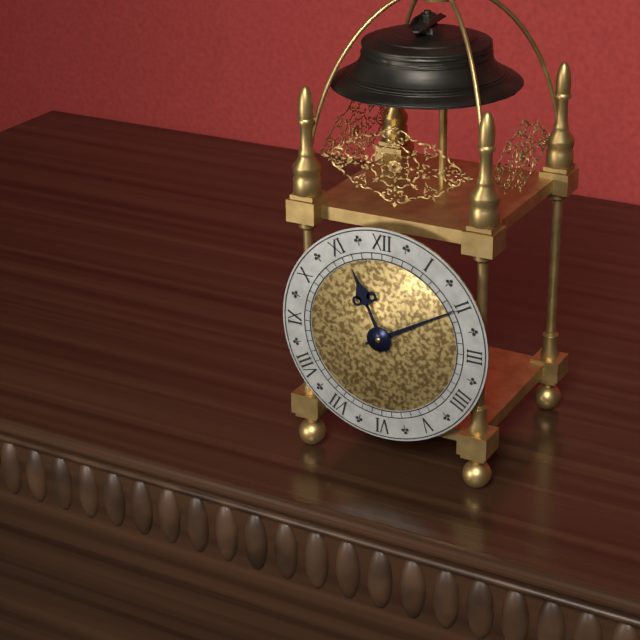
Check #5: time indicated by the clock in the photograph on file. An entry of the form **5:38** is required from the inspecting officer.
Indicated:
**11:10**
